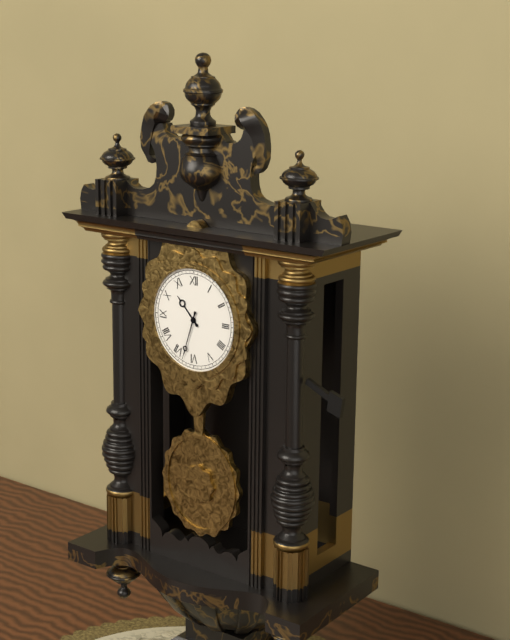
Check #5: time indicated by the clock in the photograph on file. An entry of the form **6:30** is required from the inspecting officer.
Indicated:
**10:33**
